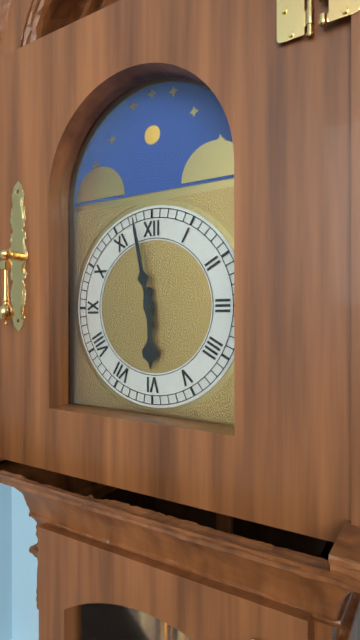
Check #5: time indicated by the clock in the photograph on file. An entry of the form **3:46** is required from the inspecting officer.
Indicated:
**5:58**
